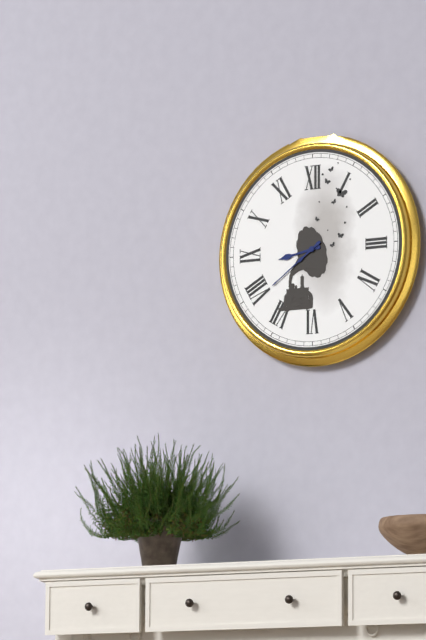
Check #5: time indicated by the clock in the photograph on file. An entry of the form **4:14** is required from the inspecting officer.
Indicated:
**8:39**
